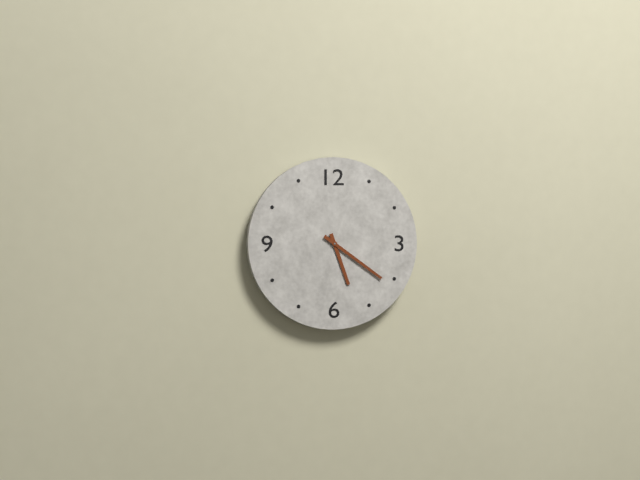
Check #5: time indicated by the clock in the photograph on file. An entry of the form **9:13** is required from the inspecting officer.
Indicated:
**5:21**
